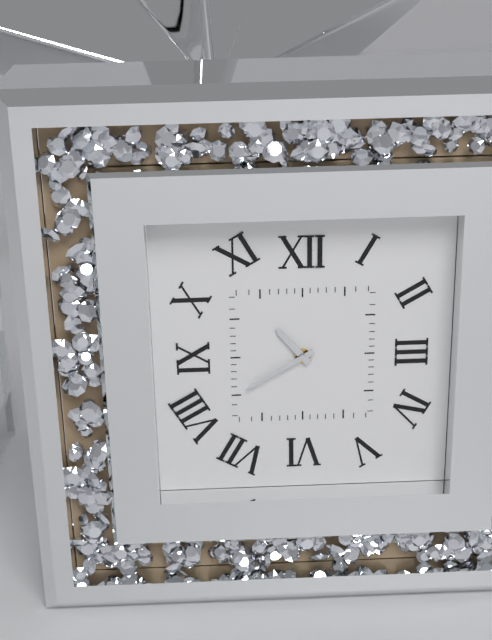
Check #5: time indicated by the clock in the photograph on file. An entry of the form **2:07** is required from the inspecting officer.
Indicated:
**10:40**
